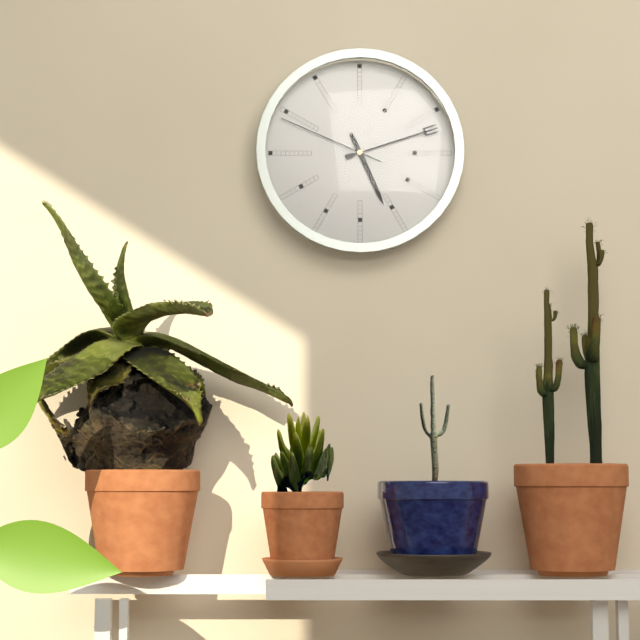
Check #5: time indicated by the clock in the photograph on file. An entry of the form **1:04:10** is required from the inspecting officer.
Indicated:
**5:12:49**
